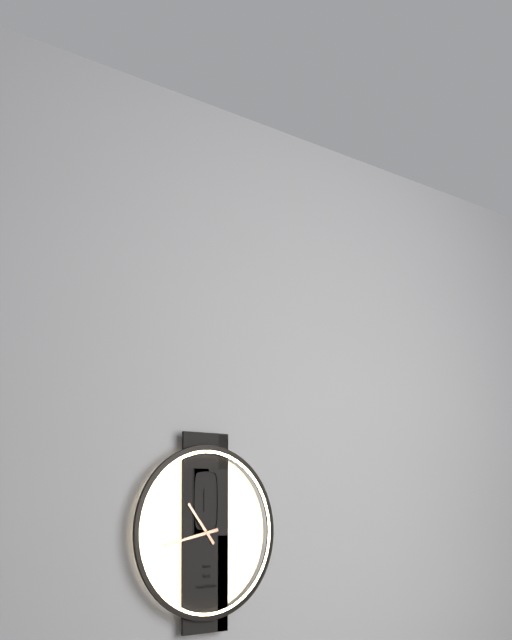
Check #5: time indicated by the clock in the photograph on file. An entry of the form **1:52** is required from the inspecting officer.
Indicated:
**10:43**
